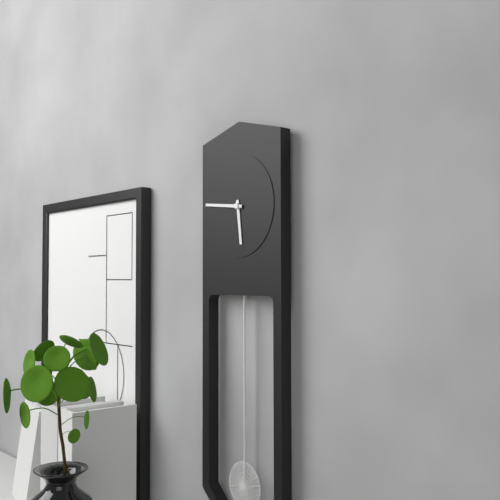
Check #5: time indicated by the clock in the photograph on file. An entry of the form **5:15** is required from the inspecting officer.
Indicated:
**5:46**
